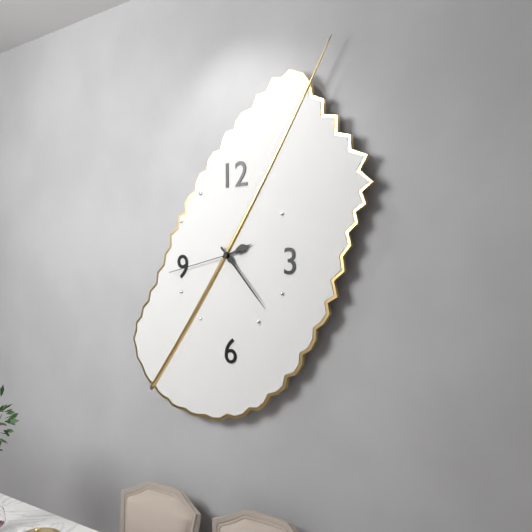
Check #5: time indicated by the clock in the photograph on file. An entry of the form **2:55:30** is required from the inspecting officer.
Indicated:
**2:23:43**
